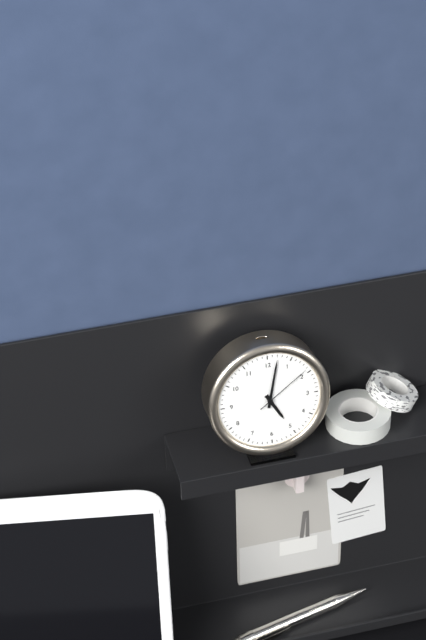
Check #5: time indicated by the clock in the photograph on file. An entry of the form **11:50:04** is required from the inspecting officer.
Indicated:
**5:02:09**
